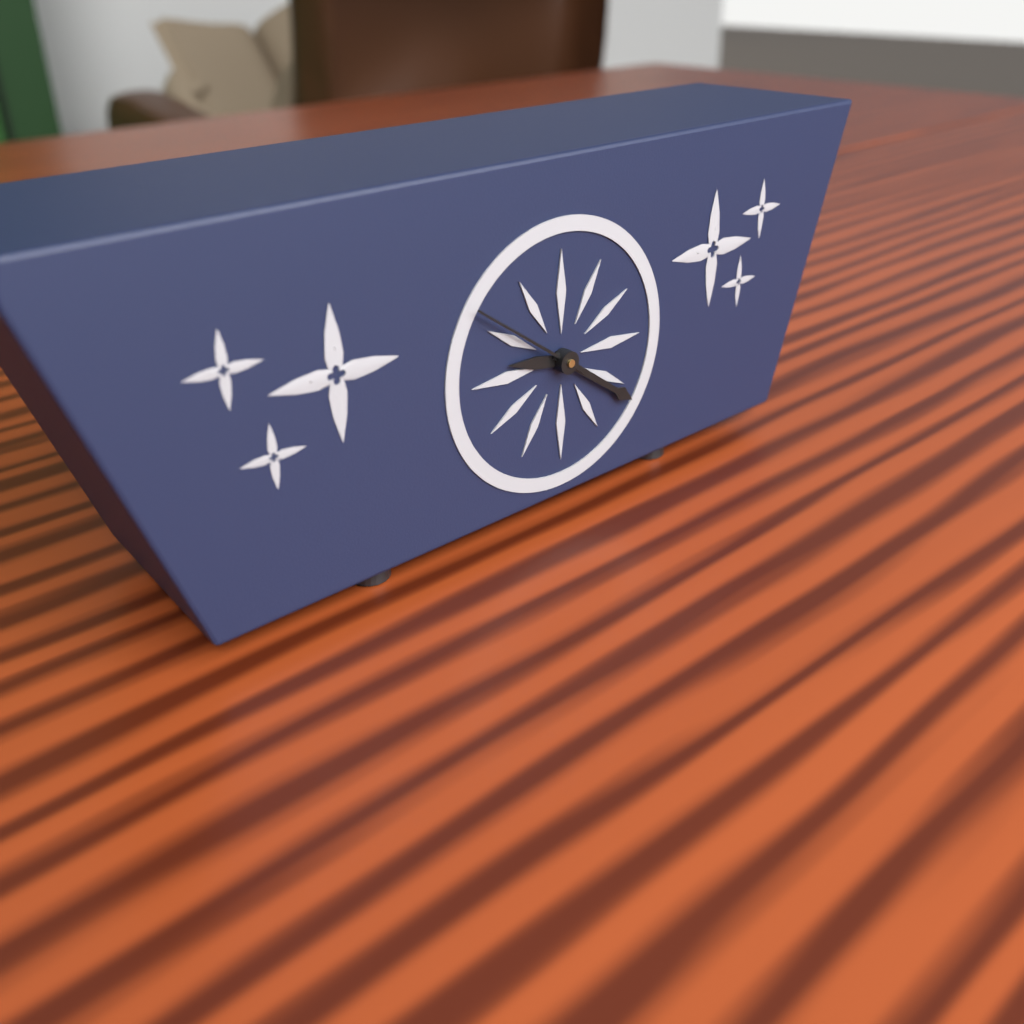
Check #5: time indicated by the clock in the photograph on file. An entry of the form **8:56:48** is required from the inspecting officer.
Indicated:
**9:21:51**
